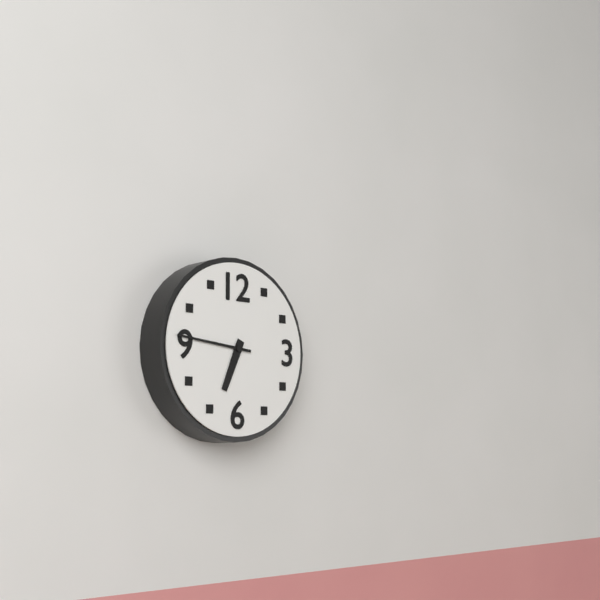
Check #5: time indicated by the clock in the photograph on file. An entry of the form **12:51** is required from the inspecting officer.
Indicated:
**6:46**
